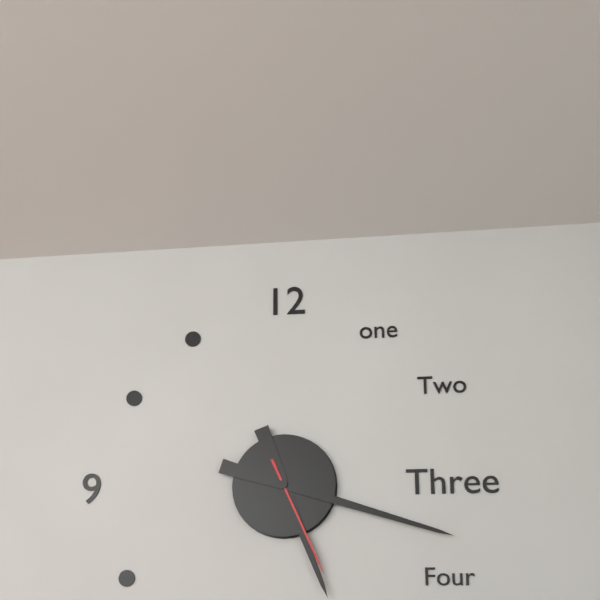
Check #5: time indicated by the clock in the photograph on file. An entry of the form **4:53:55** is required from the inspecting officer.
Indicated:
**5:18:26**
